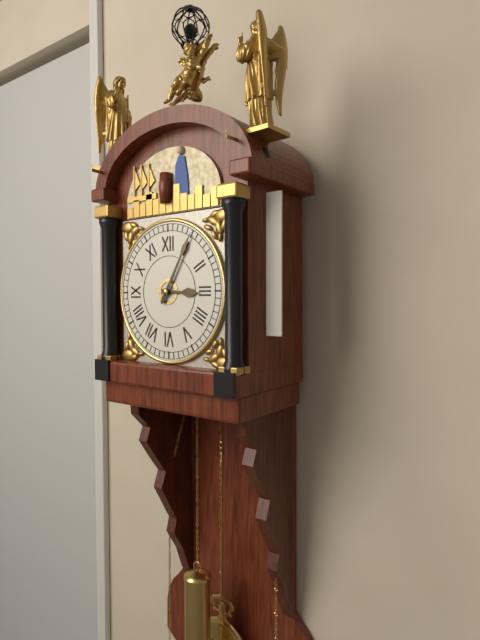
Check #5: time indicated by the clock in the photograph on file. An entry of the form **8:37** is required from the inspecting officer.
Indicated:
**3:05**
